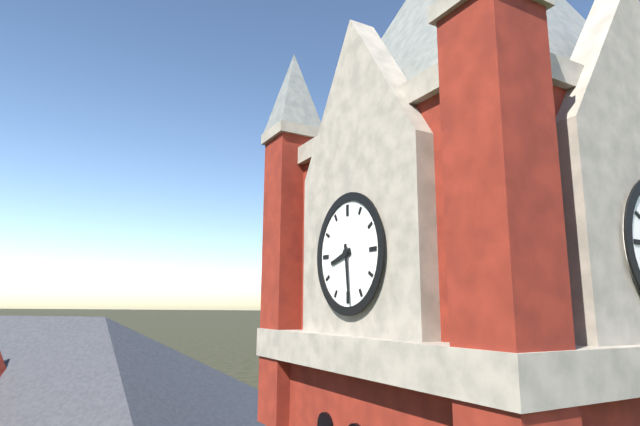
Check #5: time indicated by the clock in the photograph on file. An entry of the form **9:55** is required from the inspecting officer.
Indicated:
**8:29**
